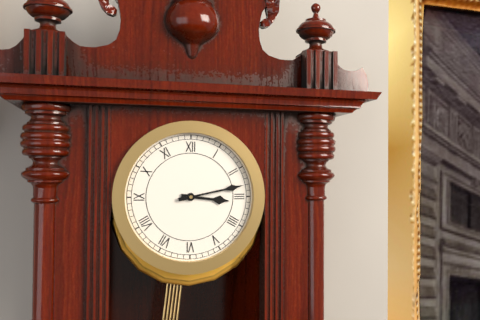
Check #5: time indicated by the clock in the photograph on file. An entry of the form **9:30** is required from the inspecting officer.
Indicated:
**3:13**
